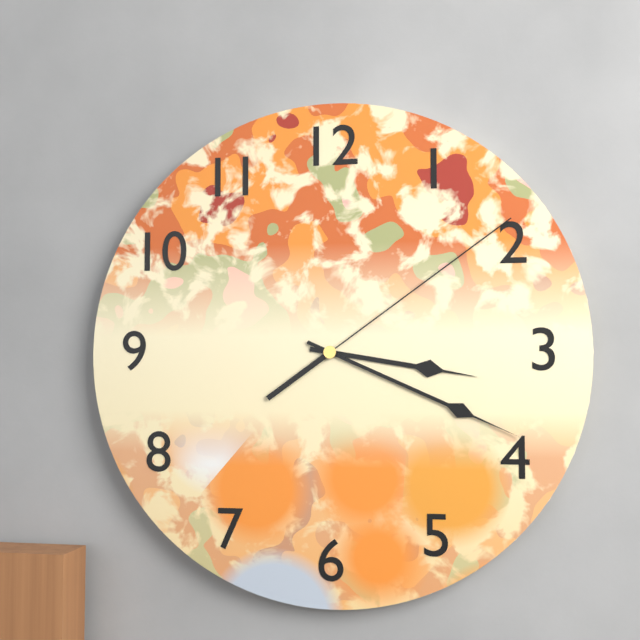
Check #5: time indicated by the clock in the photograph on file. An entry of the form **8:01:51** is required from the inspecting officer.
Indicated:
**3:19:09**
